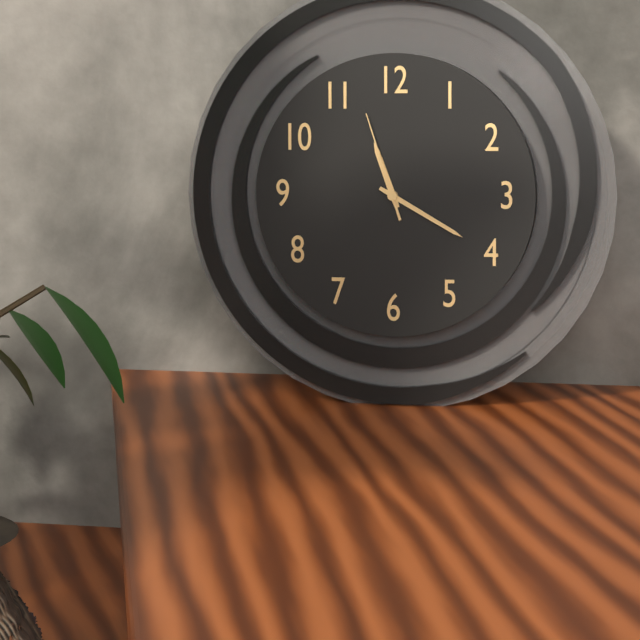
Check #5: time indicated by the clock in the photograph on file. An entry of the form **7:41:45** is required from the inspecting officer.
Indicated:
**11:20:57**
